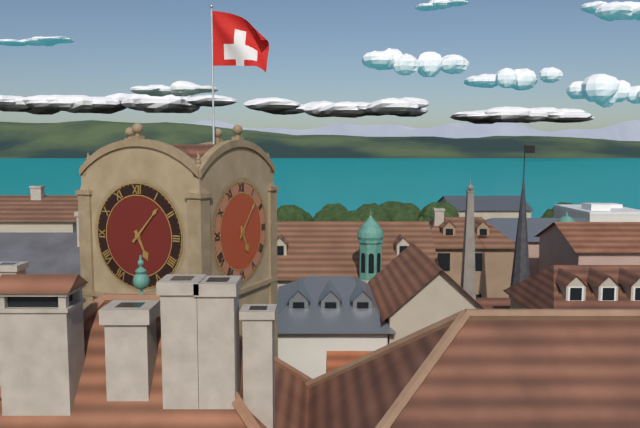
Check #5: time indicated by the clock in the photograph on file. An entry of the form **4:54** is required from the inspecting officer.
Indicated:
**5:07**
